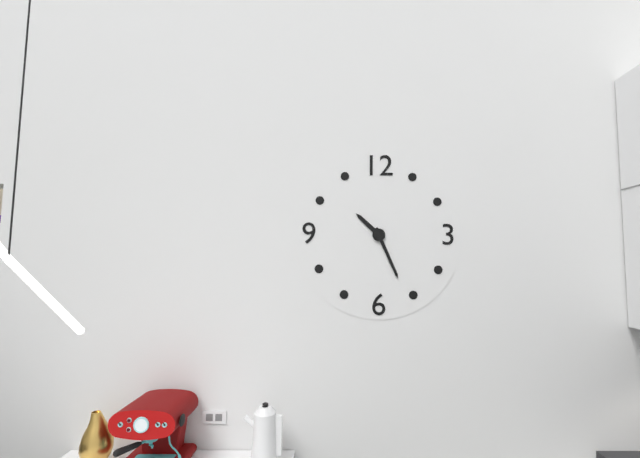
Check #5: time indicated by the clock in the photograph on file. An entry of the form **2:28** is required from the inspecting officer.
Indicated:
**10:26**
